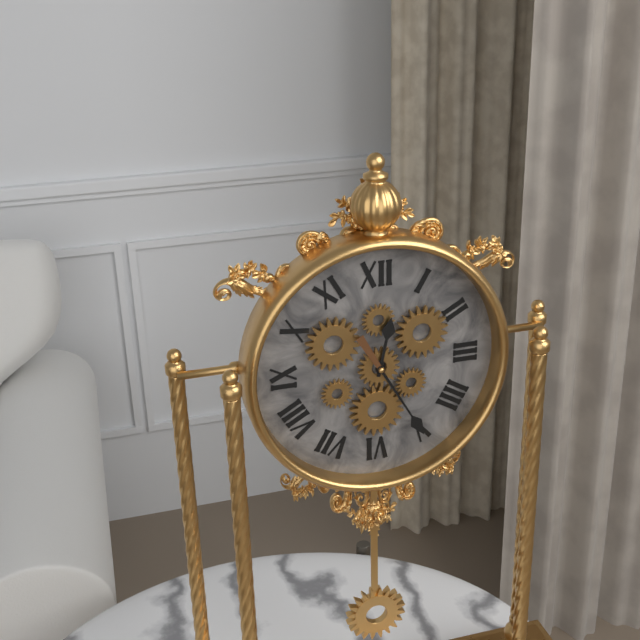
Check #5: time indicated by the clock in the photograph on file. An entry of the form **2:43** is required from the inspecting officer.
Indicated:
**12:25**
